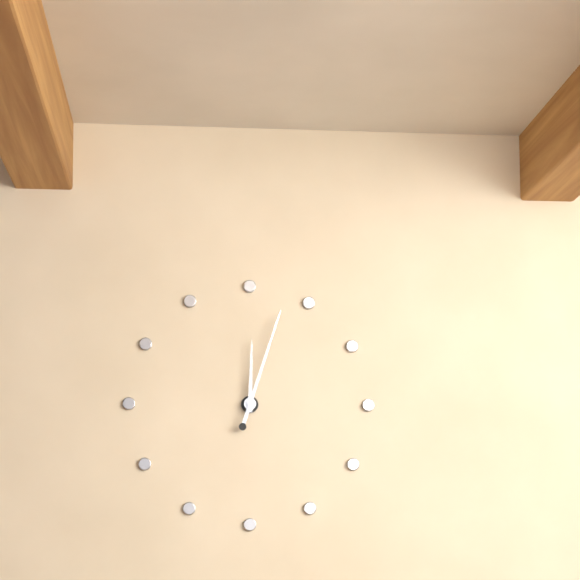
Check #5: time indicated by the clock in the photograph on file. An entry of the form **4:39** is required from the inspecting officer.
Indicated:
**12:03**
